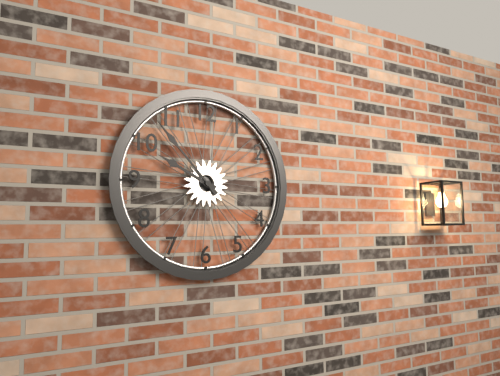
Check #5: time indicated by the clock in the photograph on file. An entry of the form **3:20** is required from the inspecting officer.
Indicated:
**9:53**
